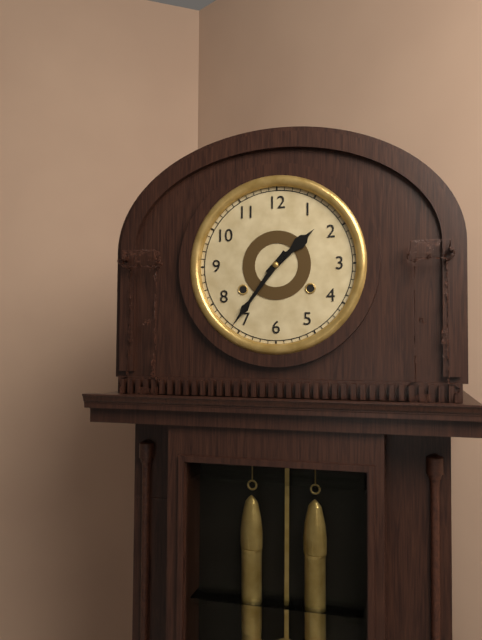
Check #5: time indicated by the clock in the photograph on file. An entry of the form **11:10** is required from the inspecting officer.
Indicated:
**1:36**
